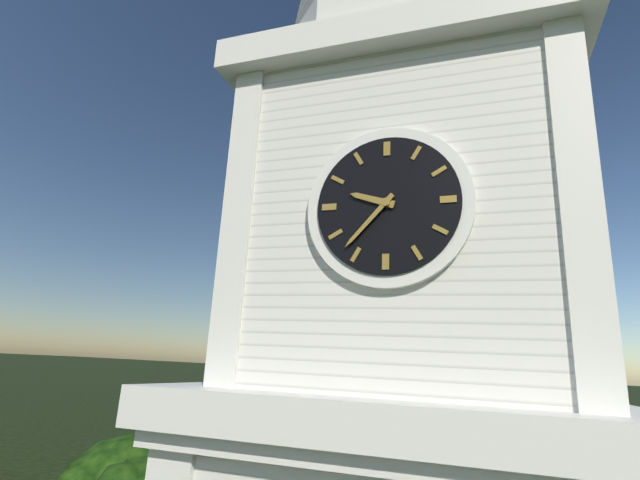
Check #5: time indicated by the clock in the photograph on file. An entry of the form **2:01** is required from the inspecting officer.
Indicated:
**9:37**
